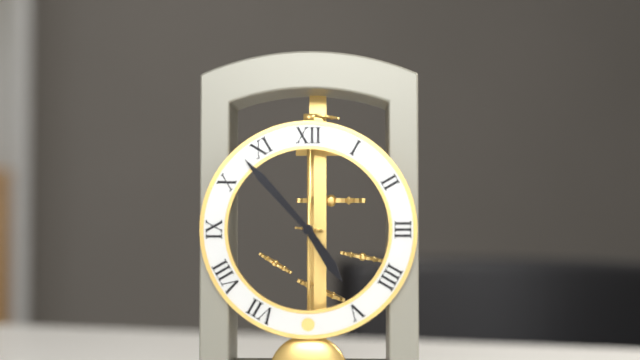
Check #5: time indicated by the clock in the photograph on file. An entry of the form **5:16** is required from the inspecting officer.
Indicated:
**4:53**
